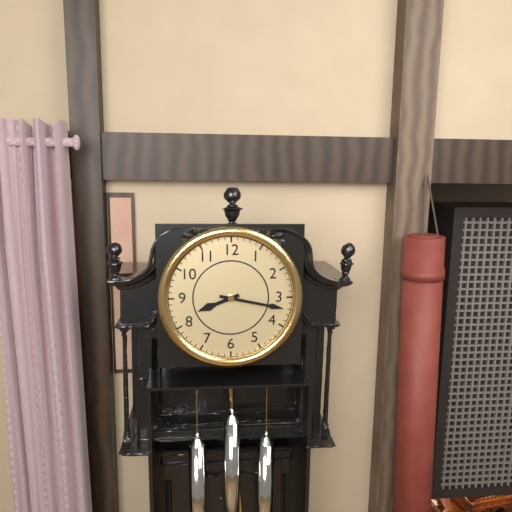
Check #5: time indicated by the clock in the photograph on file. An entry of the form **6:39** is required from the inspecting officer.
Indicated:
**8:17**
